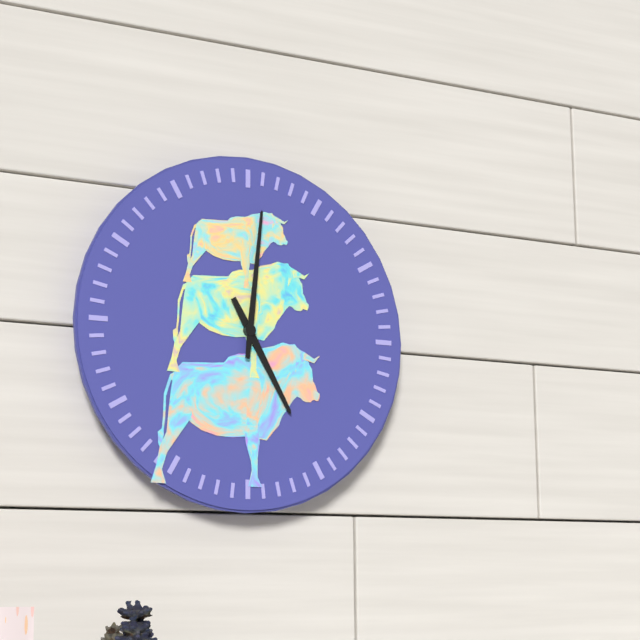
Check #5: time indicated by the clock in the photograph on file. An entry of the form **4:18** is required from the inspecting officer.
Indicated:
**5:01**
